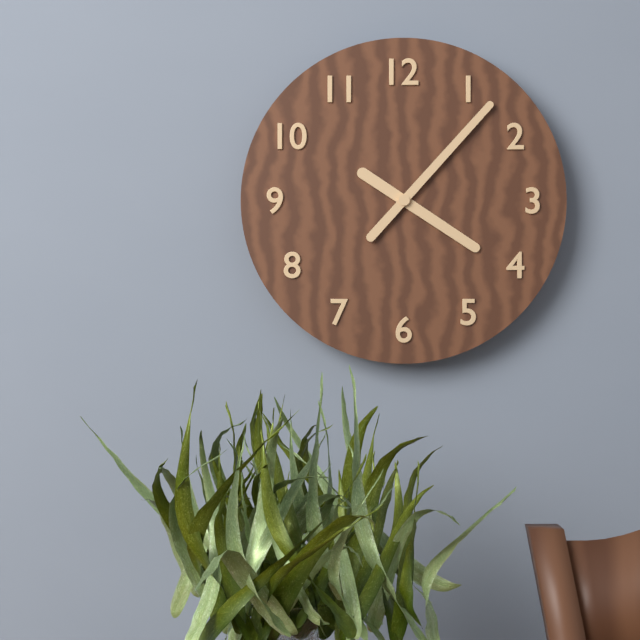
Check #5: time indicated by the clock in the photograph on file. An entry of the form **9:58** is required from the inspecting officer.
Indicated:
**4:07**
